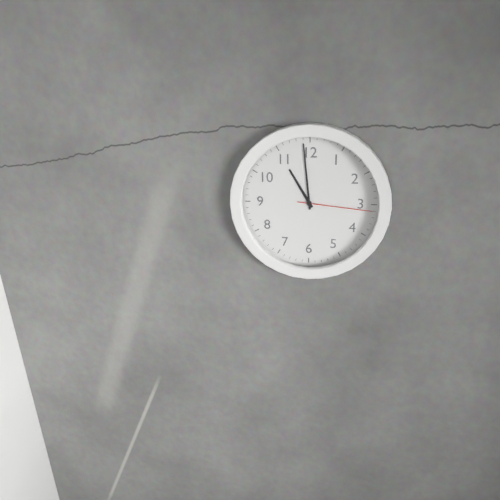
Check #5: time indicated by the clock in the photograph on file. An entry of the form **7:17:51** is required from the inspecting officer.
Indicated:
**10:59:16**
